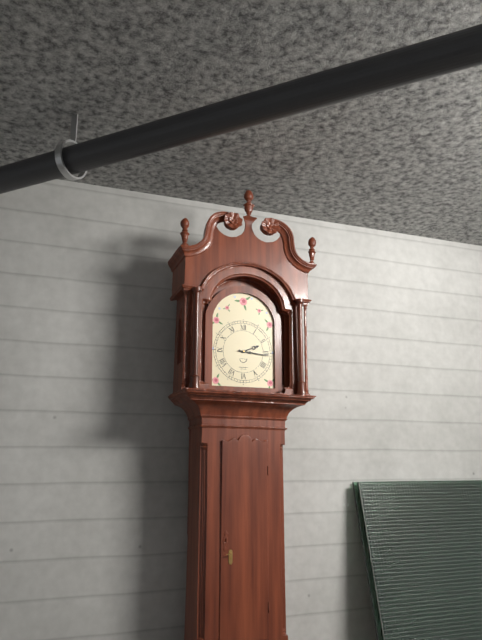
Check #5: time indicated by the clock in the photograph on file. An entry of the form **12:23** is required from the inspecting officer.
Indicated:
**2:16**
